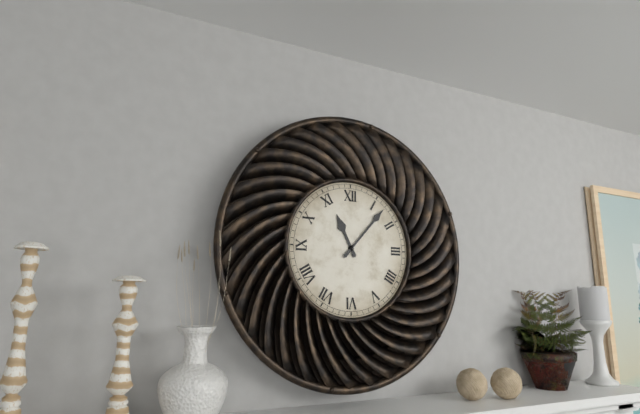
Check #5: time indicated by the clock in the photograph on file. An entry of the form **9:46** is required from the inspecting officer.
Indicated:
**11:07**
